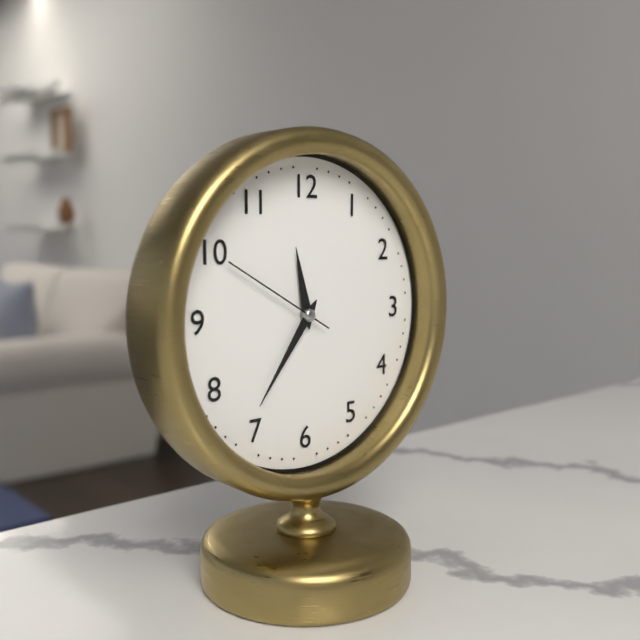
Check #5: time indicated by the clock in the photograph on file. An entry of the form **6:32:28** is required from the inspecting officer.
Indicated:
**11:36:50**
